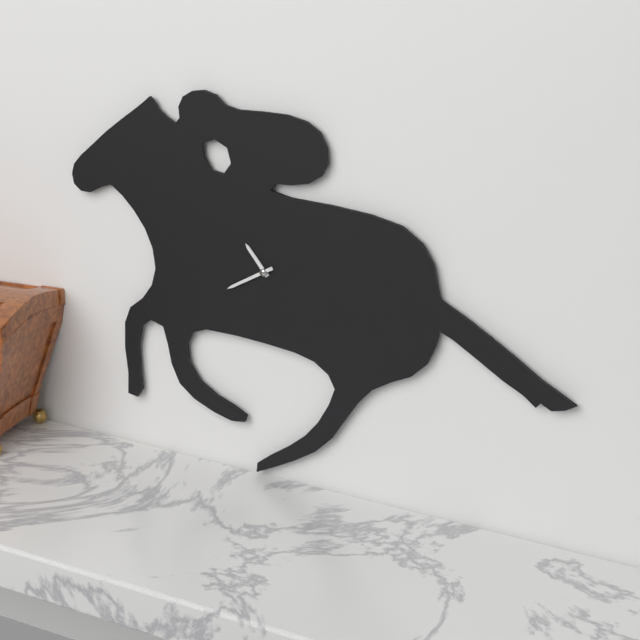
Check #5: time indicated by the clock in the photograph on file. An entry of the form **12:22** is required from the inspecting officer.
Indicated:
**10:40**
